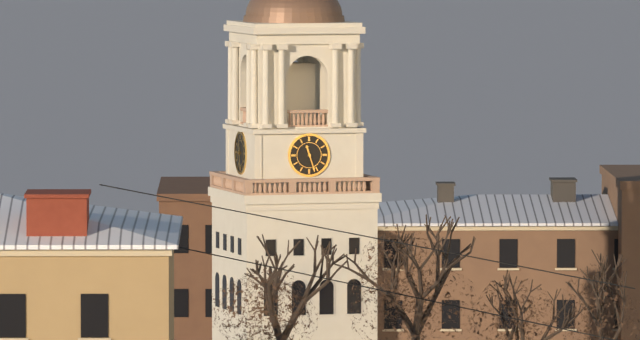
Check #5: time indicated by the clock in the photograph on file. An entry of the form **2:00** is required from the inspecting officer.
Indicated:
**11:27**
